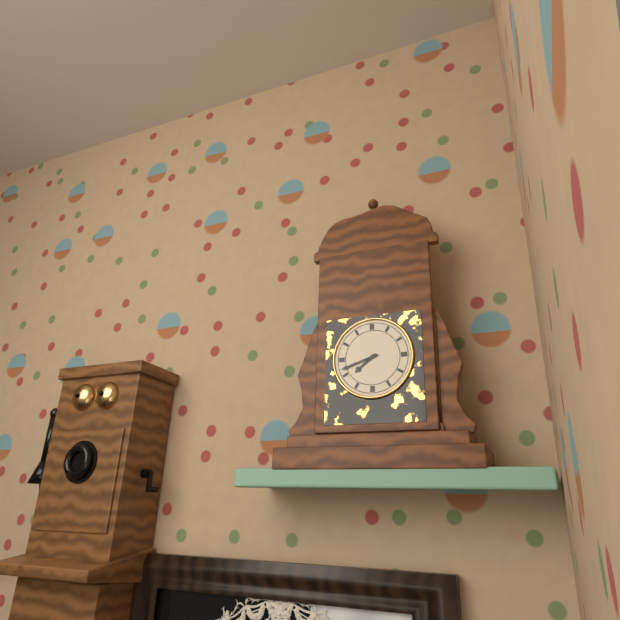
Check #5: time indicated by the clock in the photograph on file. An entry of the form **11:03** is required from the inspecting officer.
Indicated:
**7:42**
